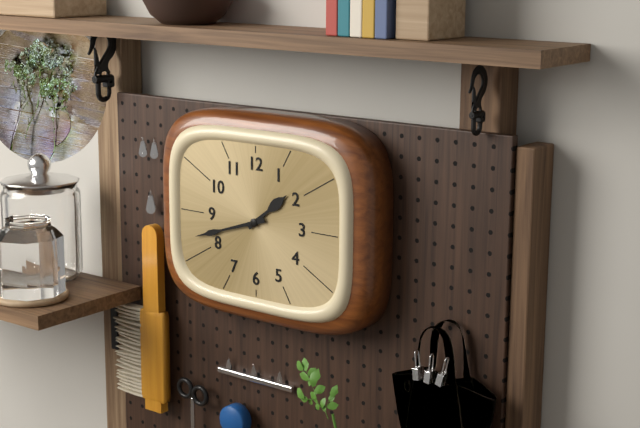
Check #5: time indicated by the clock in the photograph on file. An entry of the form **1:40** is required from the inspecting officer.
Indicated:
**1:42**
